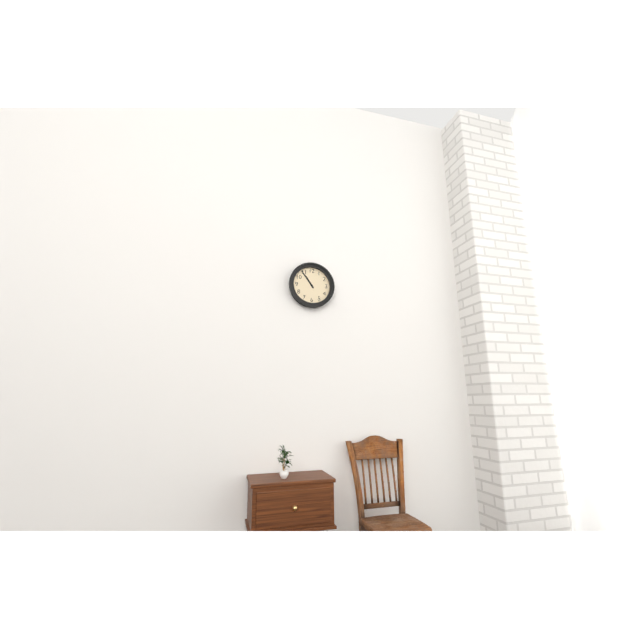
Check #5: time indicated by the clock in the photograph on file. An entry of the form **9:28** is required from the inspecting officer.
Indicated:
**10:54**
